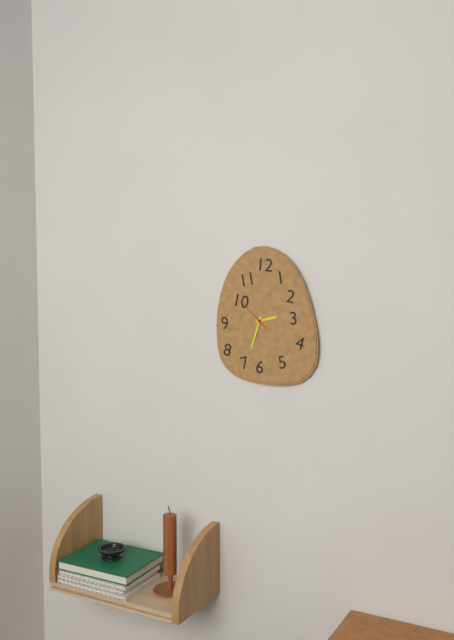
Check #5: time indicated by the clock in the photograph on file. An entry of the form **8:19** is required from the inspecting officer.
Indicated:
**2:33**
